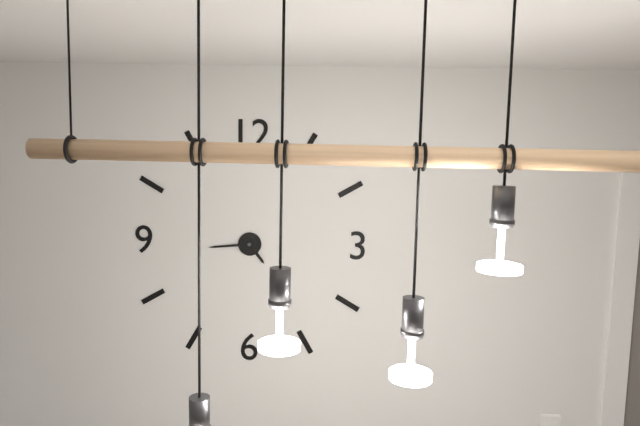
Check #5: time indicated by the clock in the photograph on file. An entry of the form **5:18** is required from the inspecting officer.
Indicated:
**4:44**
